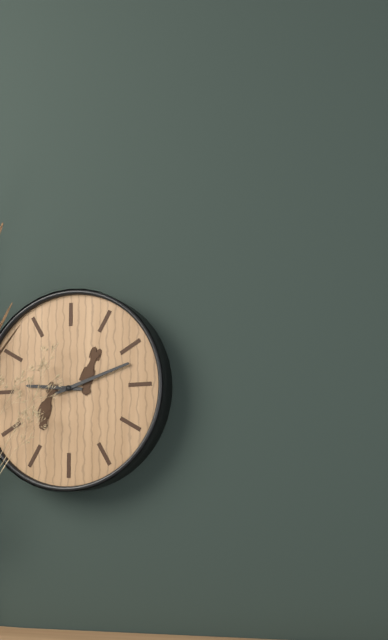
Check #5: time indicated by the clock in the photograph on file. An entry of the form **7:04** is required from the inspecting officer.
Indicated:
**9:12**
